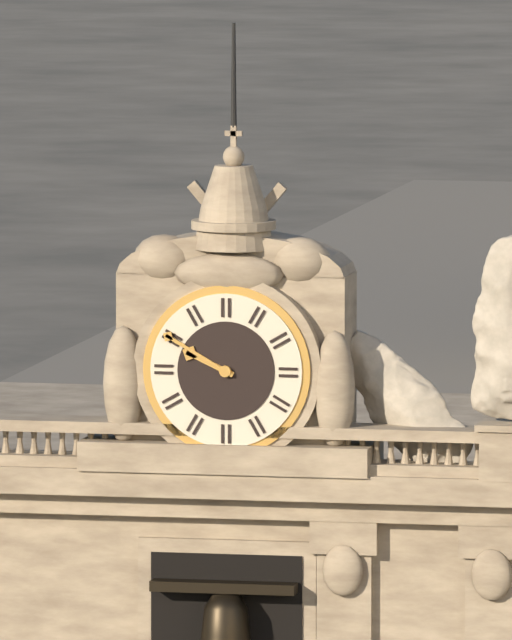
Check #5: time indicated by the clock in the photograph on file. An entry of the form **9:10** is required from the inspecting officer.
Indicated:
**9:50**
